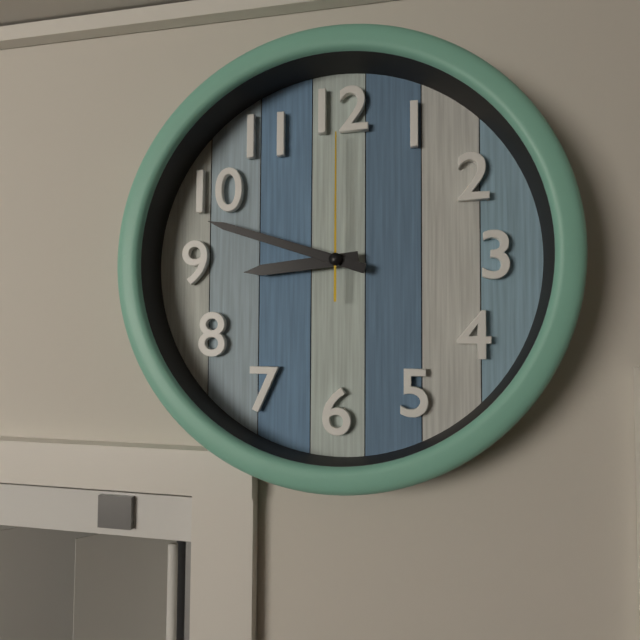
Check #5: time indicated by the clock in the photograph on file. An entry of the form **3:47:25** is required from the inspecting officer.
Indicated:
**8:48:00**
